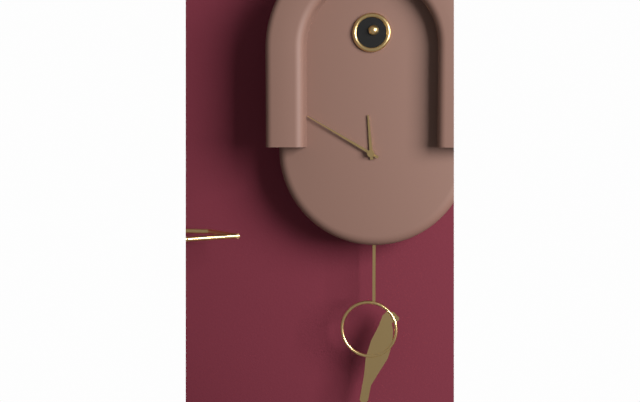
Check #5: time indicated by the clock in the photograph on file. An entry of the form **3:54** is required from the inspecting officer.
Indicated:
**11:50**
